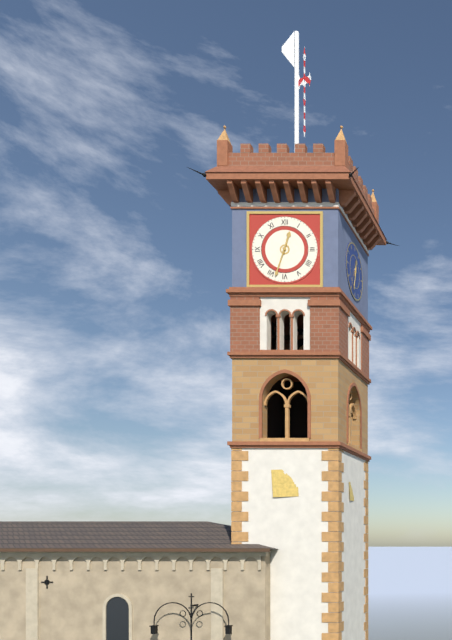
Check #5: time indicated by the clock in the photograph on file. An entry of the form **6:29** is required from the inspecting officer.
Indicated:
**12:33**
